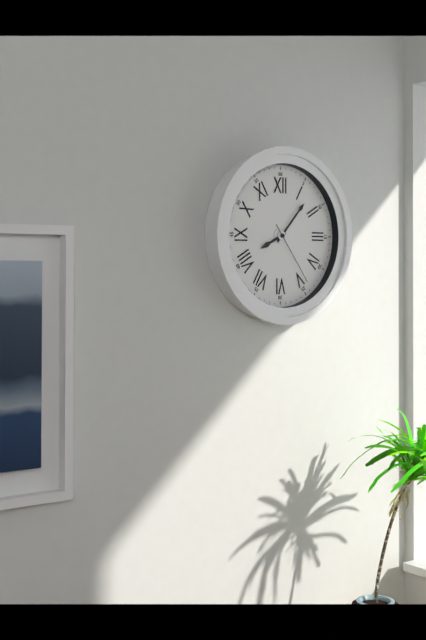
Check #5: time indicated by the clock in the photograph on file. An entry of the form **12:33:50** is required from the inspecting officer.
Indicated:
**8:07:24**
